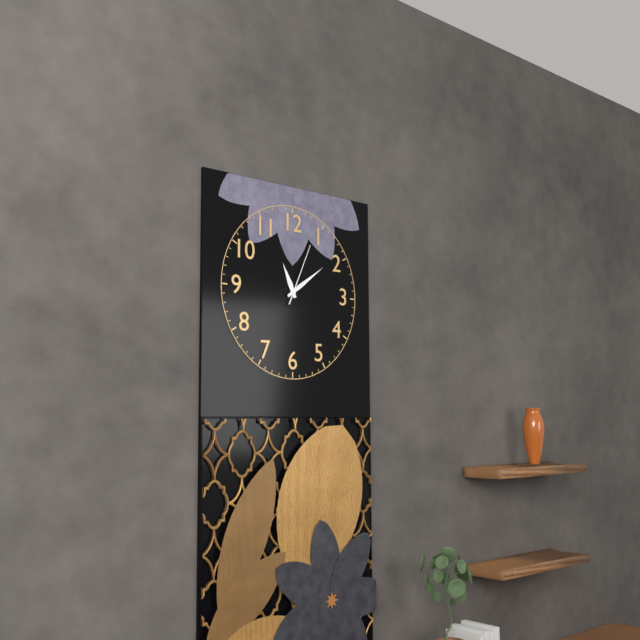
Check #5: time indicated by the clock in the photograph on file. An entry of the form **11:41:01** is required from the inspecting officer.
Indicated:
**11:09:04**
